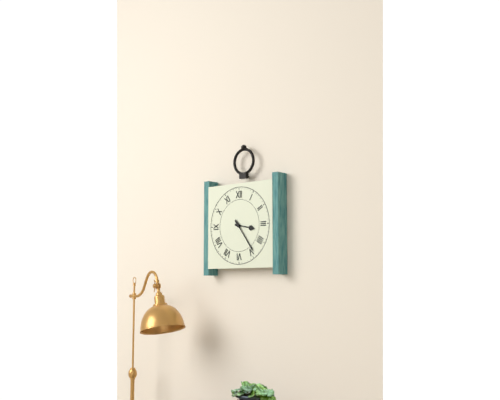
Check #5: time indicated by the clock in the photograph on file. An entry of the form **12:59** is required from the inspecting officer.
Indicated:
**3:24**
